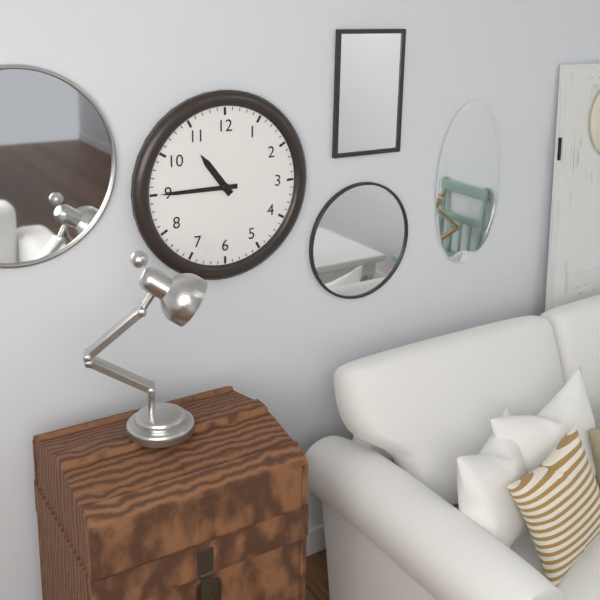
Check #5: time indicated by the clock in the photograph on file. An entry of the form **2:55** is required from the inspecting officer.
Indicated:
**10:45**
